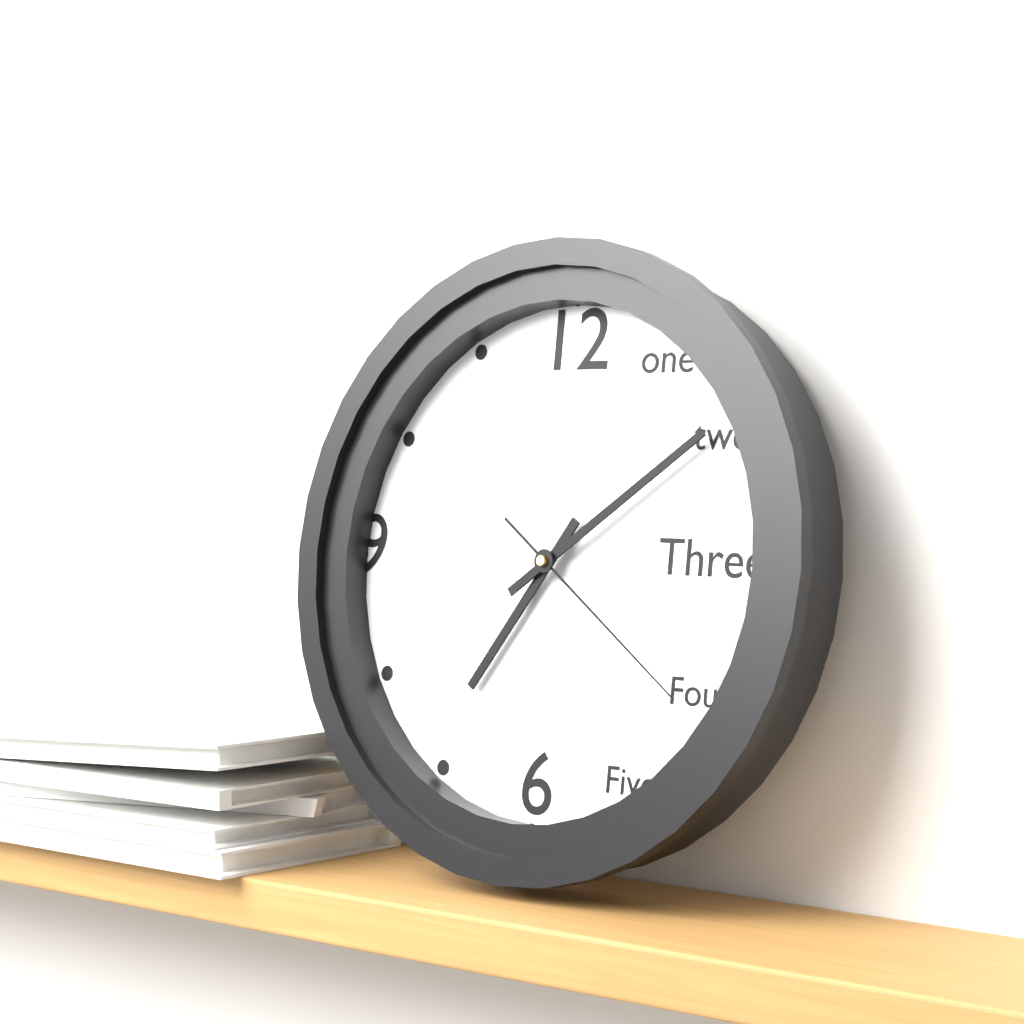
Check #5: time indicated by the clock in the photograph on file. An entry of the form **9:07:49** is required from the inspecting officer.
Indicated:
**7:09:21**
